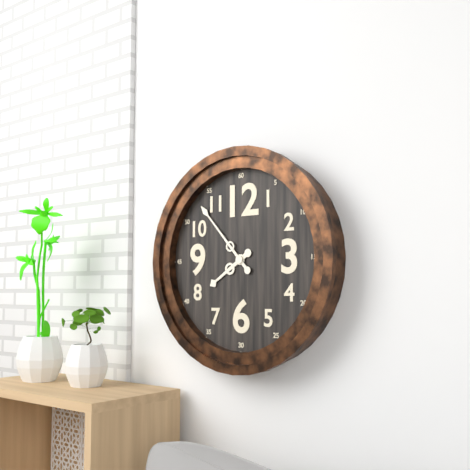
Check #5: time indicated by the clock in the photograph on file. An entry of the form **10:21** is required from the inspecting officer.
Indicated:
**7:53**
